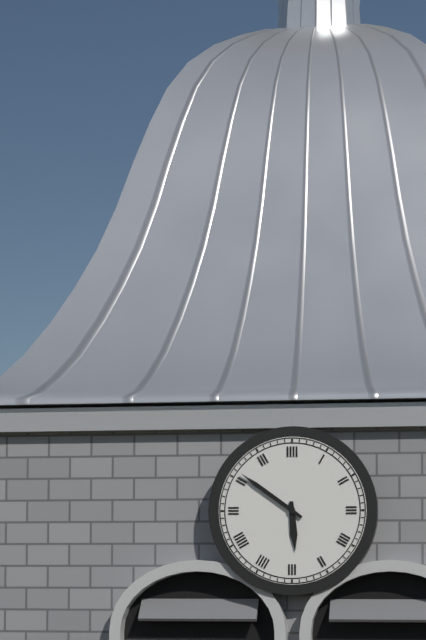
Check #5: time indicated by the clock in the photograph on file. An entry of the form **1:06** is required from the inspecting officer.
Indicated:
**5:51**
